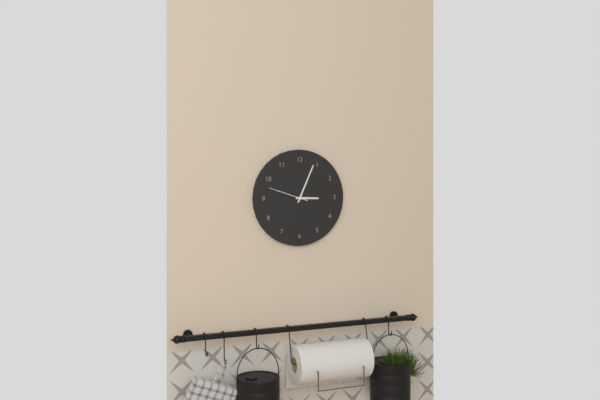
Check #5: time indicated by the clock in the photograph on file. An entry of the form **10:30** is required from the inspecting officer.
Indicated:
**3:04**
